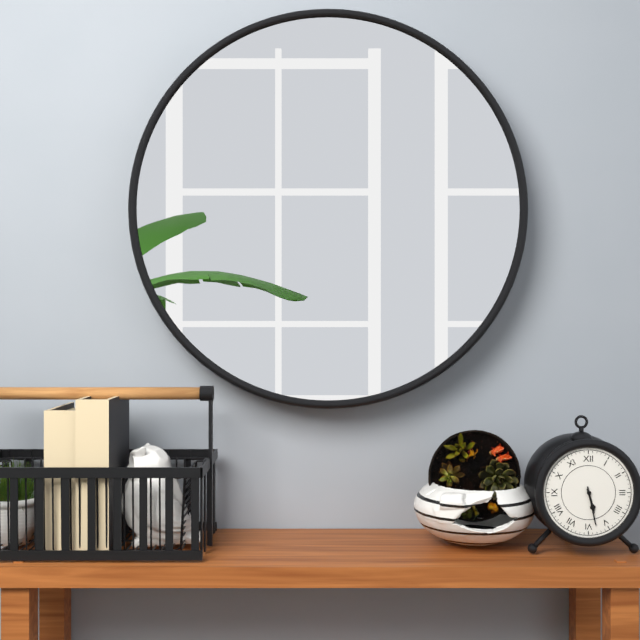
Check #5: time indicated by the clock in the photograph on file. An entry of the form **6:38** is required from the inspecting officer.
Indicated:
**5:28**
